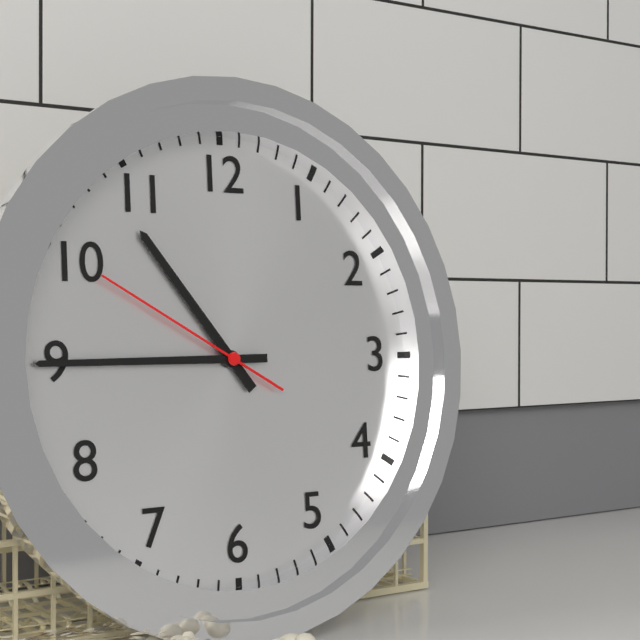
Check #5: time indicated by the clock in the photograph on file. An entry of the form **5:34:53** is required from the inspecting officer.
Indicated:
**10:45:50**
